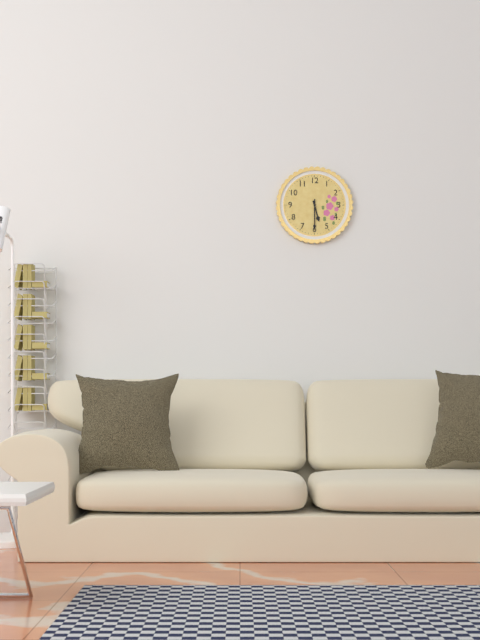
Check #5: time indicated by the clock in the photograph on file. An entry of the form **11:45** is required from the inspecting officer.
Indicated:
**5:30**
